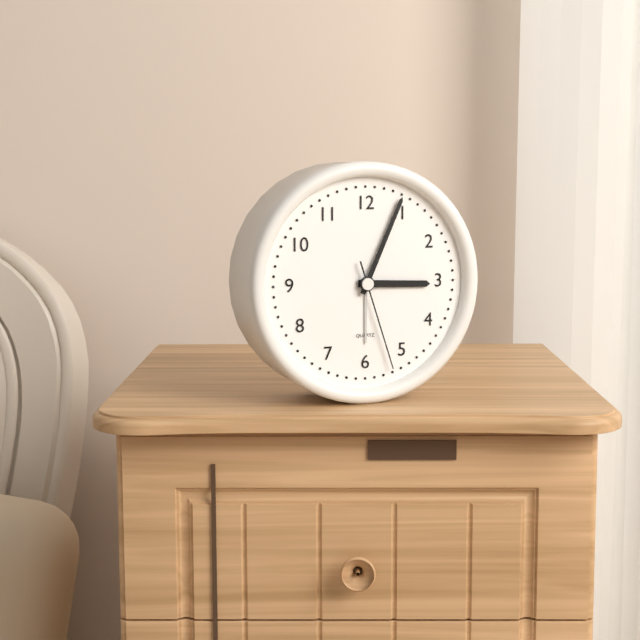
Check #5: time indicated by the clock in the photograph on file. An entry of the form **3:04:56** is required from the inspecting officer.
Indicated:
**3:04:27**
